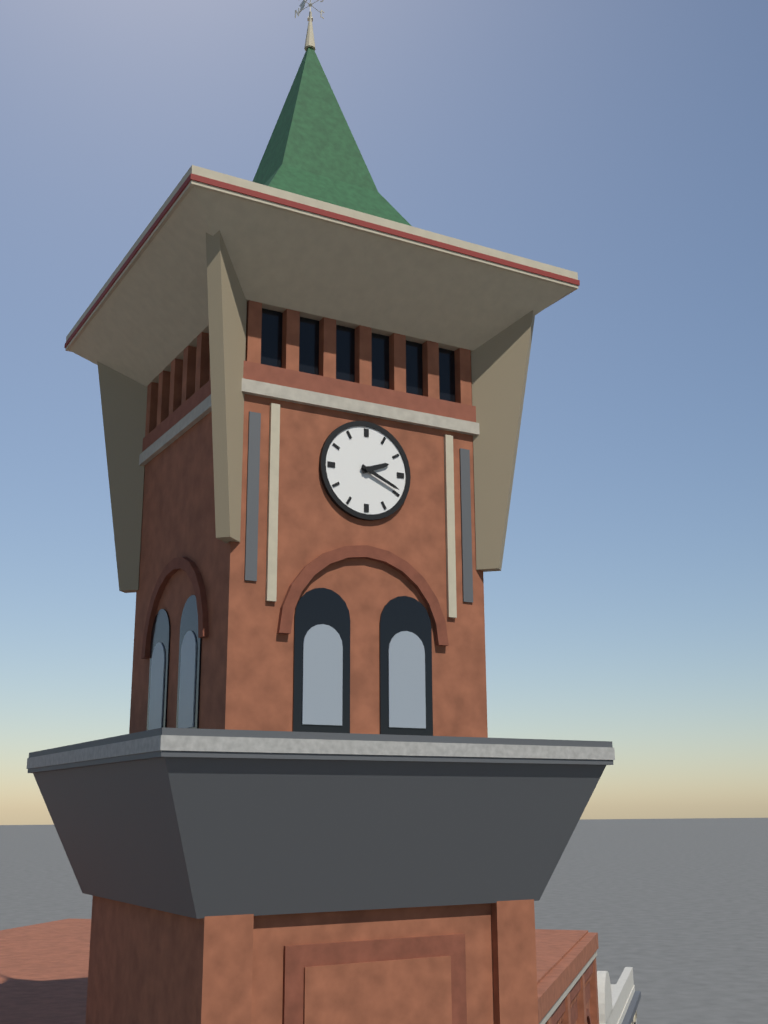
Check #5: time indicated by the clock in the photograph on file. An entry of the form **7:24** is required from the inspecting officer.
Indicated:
**2:19**
